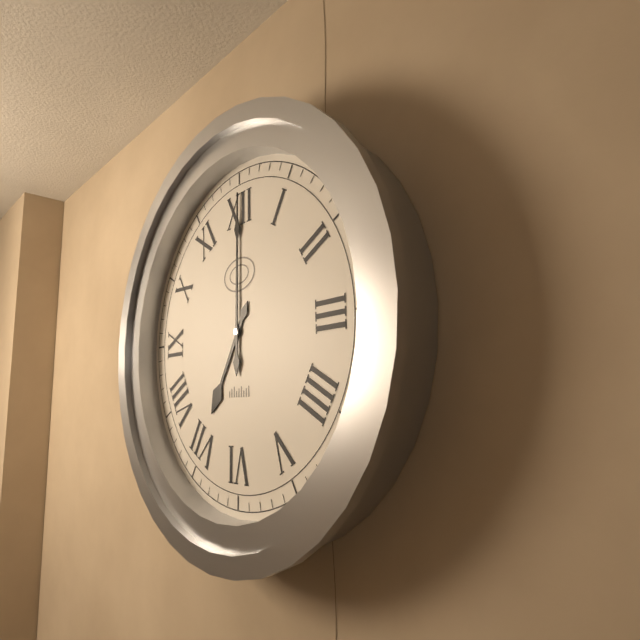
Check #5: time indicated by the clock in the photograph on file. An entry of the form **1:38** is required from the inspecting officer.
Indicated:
**7:00**
